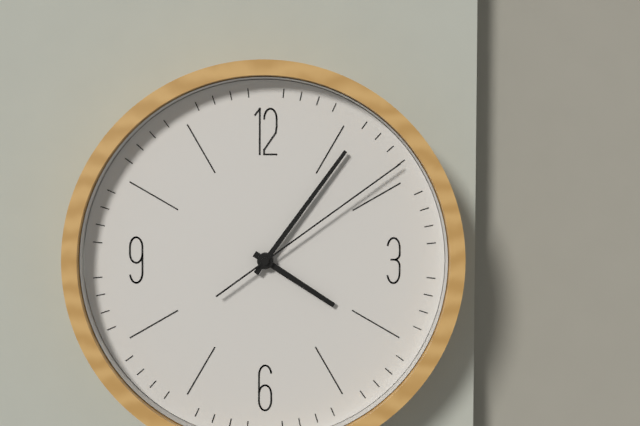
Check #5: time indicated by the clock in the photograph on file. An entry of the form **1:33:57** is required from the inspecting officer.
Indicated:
**4:06:09**
